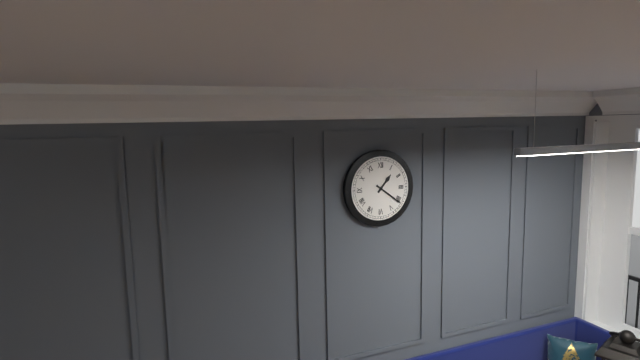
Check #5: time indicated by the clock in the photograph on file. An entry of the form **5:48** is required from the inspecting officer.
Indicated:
**1:21**
